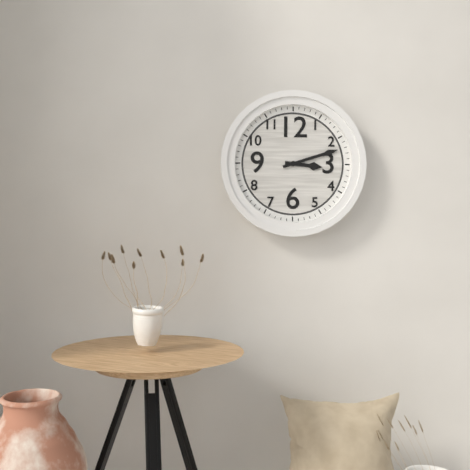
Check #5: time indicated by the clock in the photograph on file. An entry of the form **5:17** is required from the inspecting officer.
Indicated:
**3:12**
